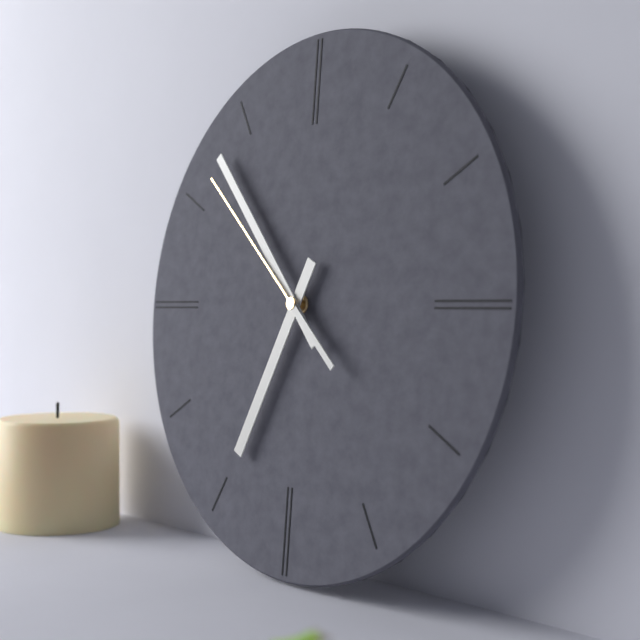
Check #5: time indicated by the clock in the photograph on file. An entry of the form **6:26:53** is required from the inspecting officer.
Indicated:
**6:53:52**
